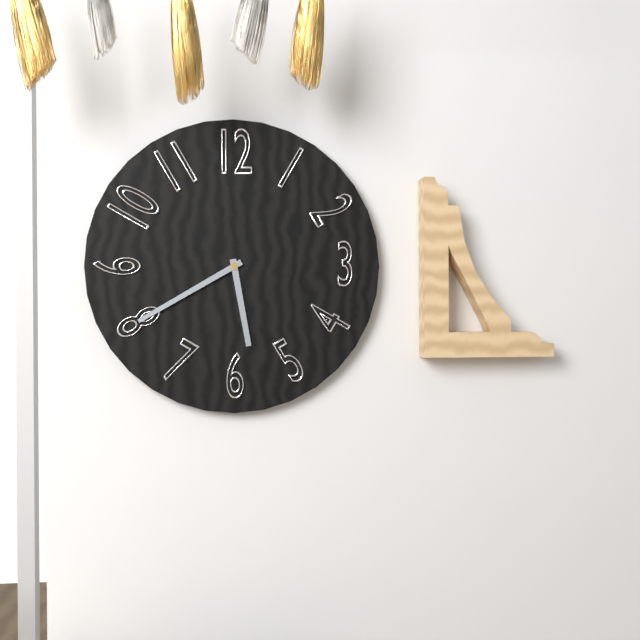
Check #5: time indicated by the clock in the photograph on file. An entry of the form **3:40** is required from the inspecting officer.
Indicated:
**5:40**
